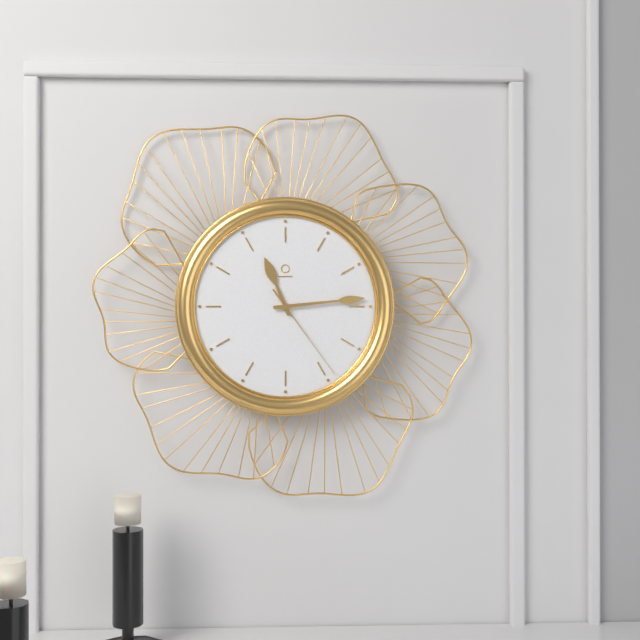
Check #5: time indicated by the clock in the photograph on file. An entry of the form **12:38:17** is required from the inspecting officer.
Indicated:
**11:14:24**
